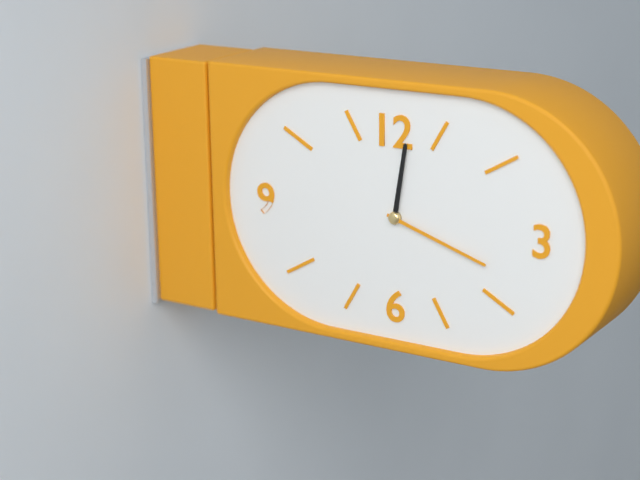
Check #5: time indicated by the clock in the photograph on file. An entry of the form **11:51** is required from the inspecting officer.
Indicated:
**12:18**
